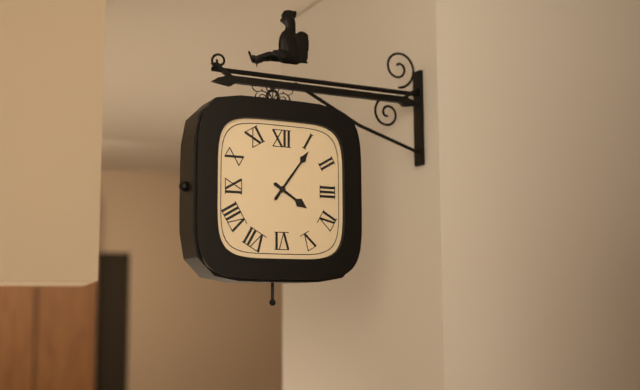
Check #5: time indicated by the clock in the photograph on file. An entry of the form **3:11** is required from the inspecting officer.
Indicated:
**4:06**
